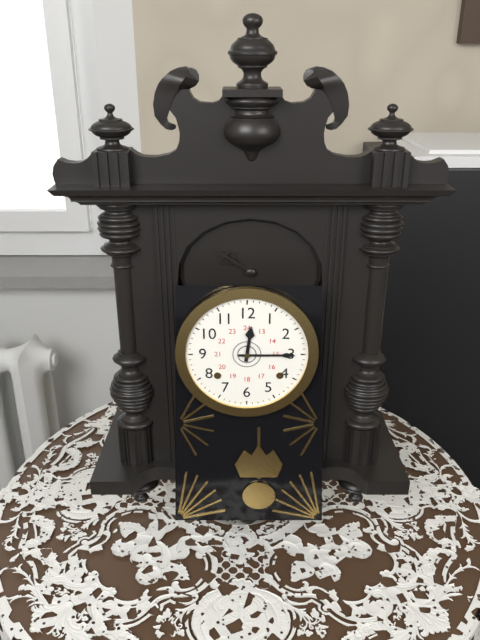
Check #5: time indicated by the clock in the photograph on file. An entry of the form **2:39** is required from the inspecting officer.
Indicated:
**12:15**
